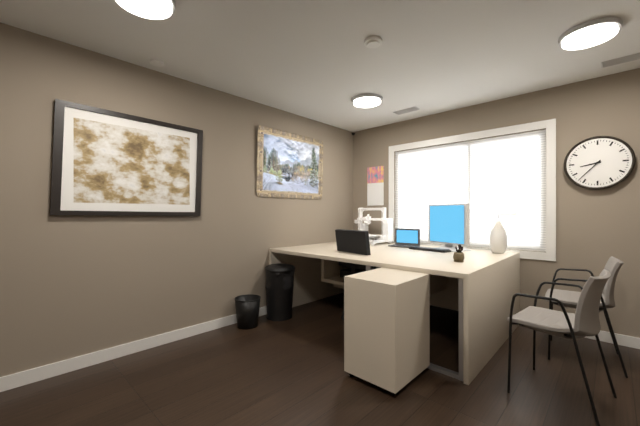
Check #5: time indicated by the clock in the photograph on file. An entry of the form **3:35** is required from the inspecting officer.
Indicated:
**8:37**
